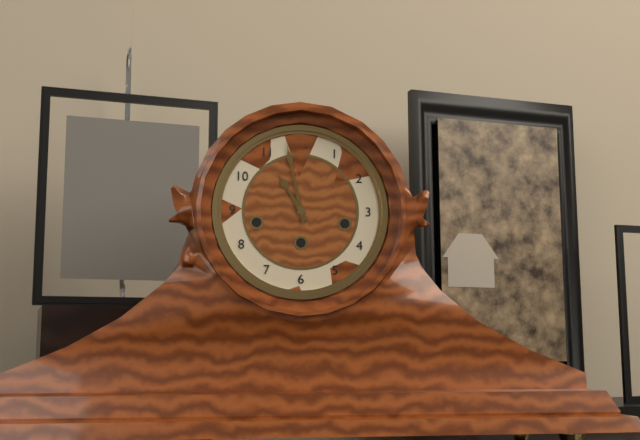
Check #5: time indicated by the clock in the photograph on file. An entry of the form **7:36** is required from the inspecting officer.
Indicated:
**10:58**
